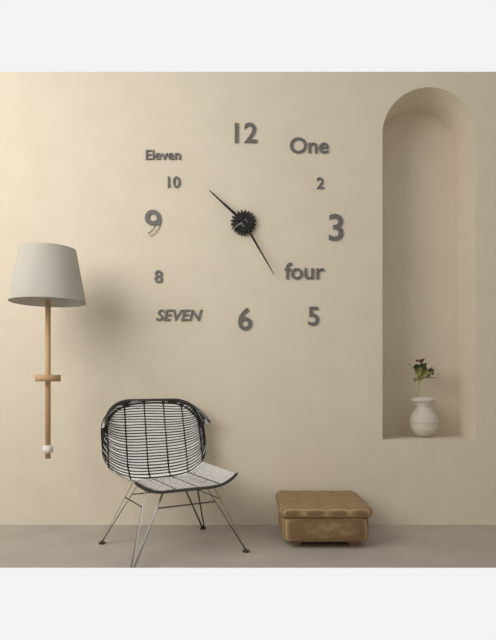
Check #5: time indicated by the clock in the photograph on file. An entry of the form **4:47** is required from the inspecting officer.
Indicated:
**10:25**
